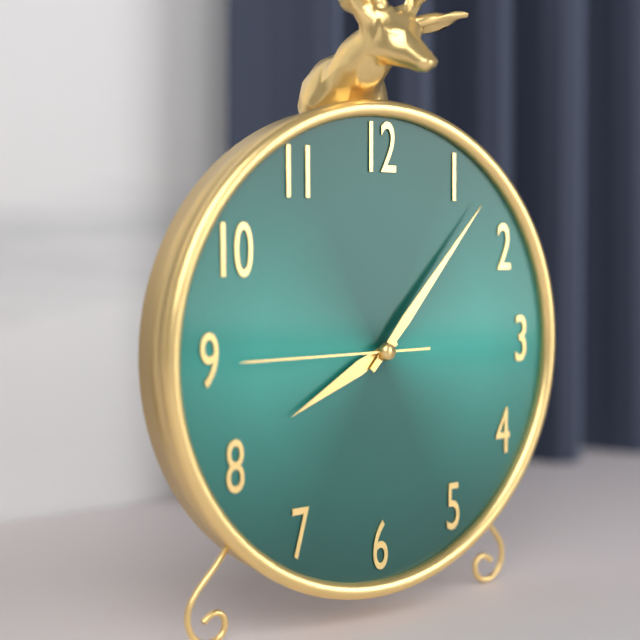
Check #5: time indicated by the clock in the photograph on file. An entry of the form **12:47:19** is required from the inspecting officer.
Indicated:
**8:07:45**
